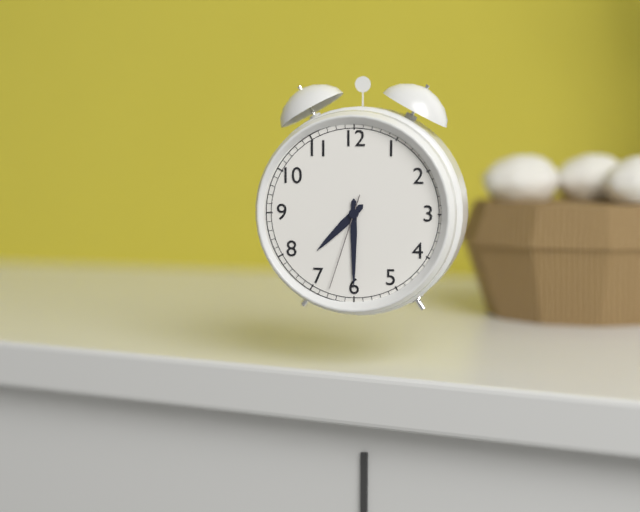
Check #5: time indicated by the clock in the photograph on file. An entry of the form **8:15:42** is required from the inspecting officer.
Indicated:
**7:30:33**
